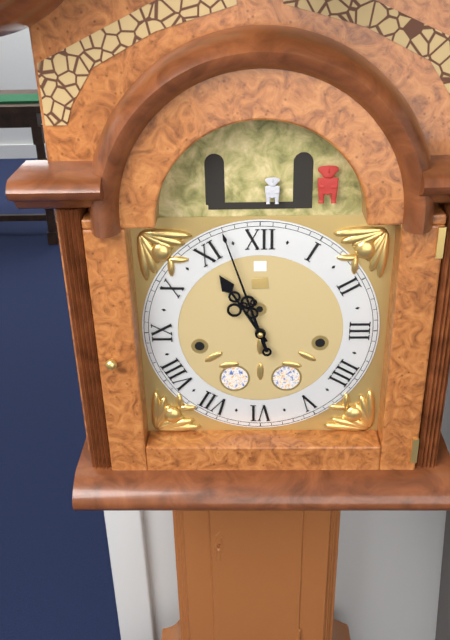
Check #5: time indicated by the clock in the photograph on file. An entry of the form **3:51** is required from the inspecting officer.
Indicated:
**10:57**
